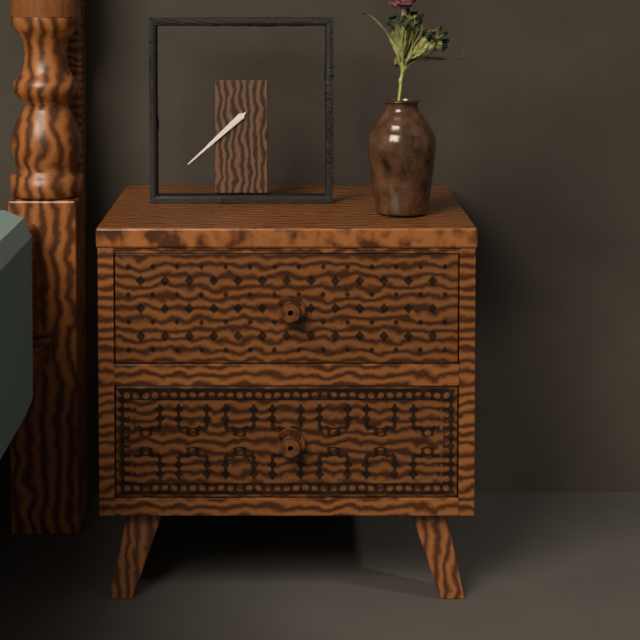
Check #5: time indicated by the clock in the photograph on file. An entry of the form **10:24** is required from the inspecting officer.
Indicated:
**7:38**
